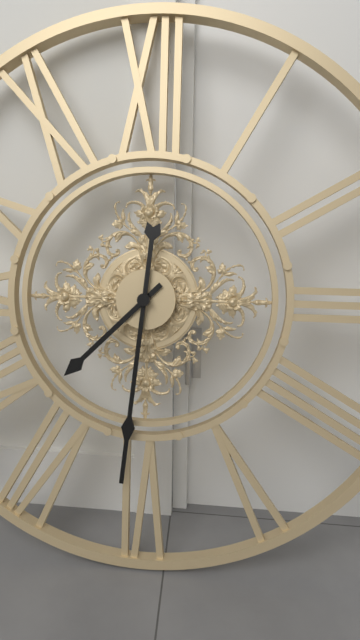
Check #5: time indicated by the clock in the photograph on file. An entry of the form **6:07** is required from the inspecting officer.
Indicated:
**7:31**
